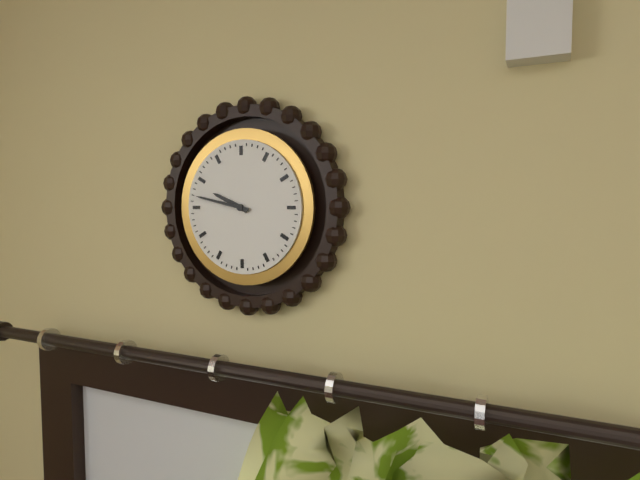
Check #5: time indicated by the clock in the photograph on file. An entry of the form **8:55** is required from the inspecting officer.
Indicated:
**9:47**
